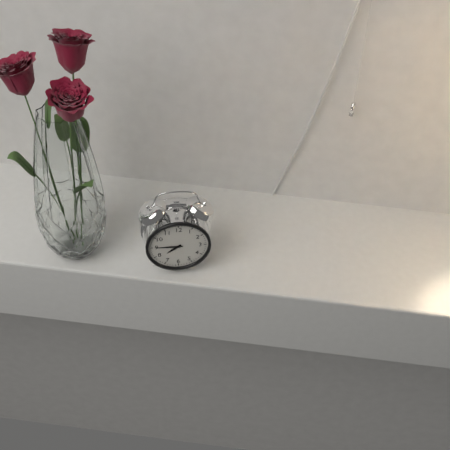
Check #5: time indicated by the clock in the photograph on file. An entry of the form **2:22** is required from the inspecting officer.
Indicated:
**7:45**
